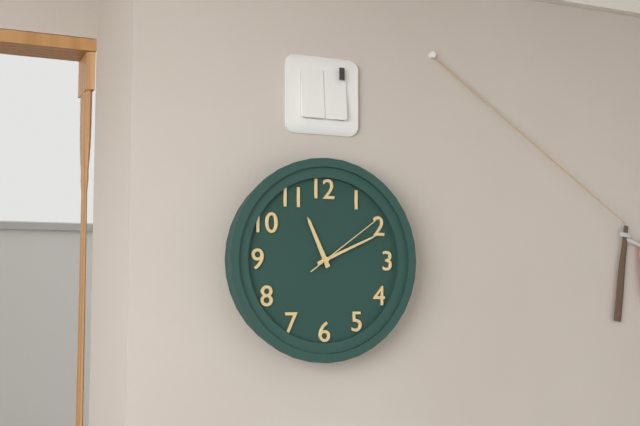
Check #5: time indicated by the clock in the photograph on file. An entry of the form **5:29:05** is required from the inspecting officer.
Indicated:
**11:11:09**
